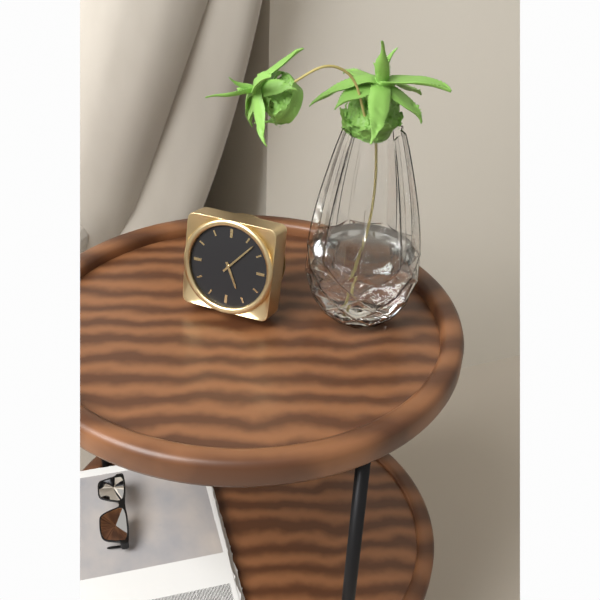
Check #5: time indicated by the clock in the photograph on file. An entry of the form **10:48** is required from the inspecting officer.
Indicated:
**5:07**
